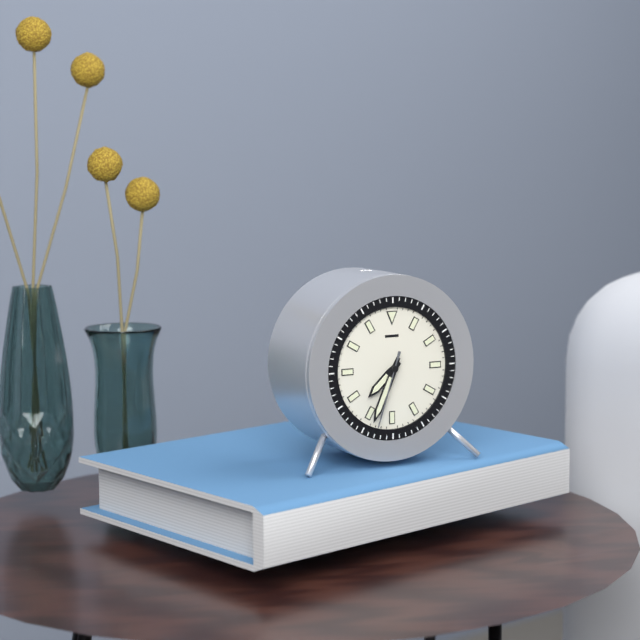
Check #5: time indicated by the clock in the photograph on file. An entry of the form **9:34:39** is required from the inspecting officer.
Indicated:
**7:34:33**
